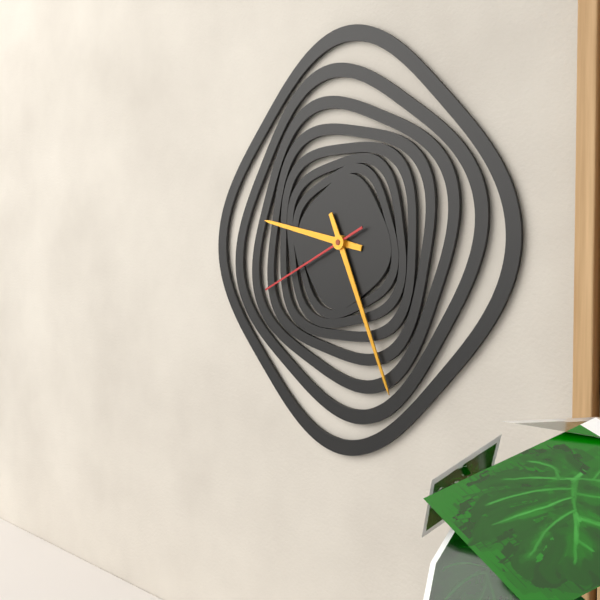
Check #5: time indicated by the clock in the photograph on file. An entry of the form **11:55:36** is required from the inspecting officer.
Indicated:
**9:26:41**
